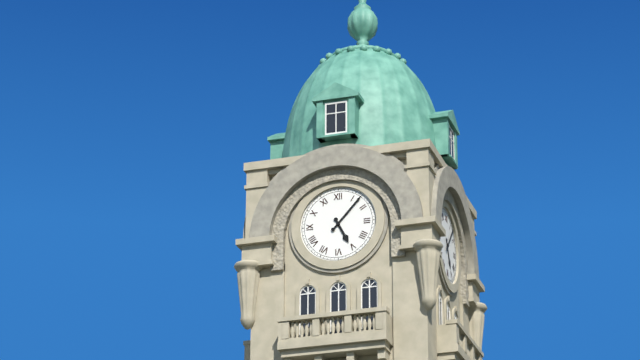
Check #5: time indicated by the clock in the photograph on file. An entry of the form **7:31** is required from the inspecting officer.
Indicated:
**5:07**
